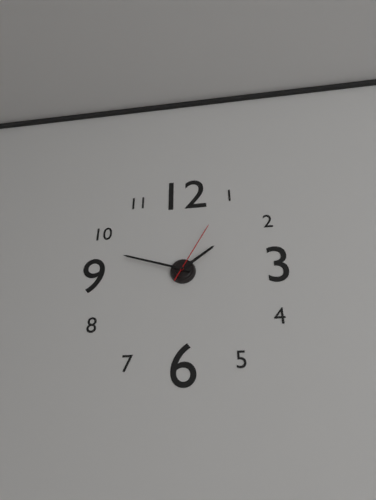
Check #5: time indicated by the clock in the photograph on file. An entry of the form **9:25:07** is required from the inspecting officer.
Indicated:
**1:48:05**
